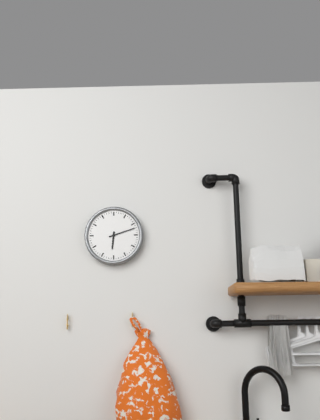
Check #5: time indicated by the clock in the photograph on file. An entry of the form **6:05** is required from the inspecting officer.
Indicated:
**6:12**
